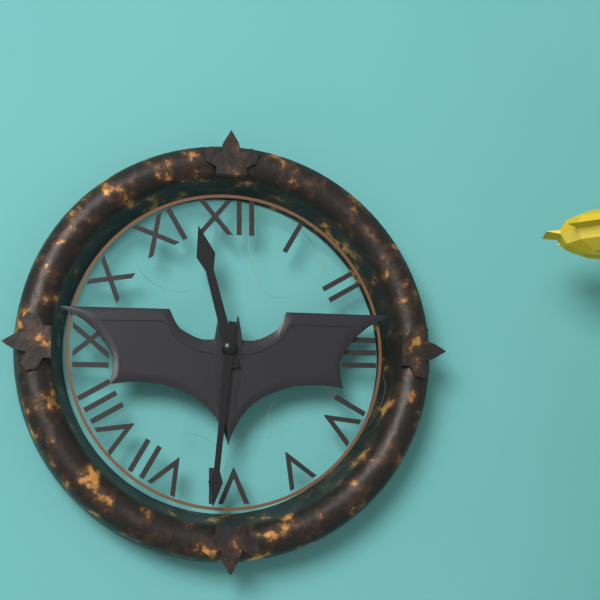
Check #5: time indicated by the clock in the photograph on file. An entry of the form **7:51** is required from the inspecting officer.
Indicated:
**11:31**
